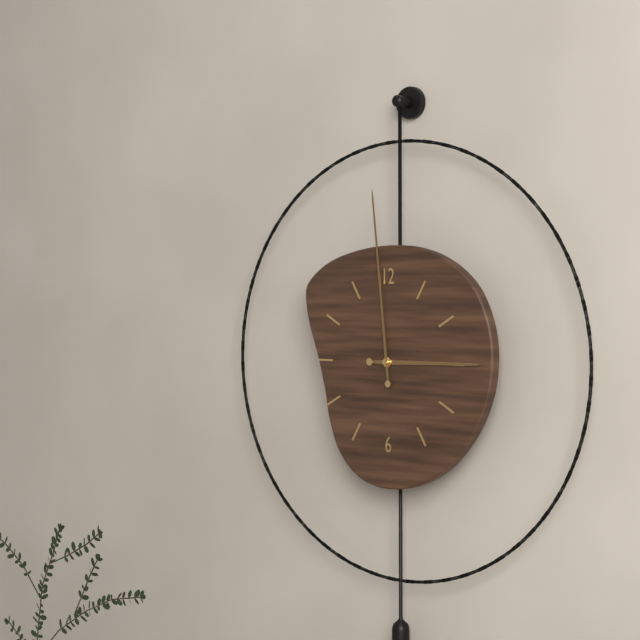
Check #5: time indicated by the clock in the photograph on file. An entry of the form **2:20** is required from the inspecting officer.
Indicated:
**2:59**
